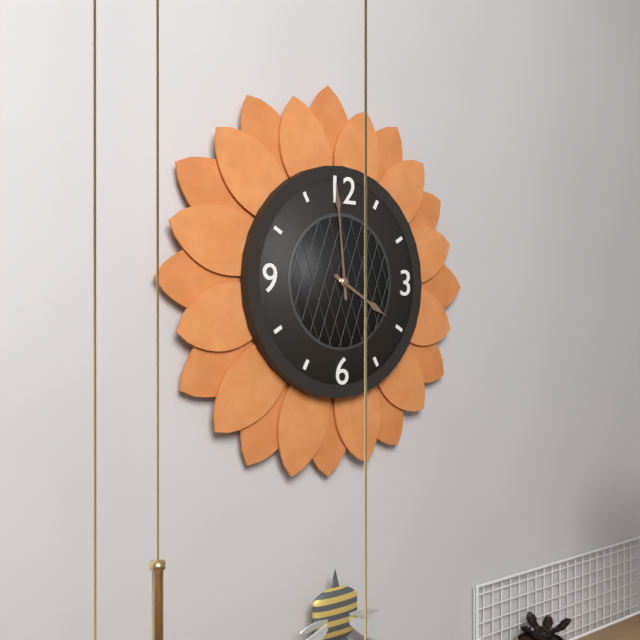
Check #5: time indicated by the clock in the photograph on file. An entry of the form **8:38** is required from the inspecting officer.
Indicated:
**3:59**
